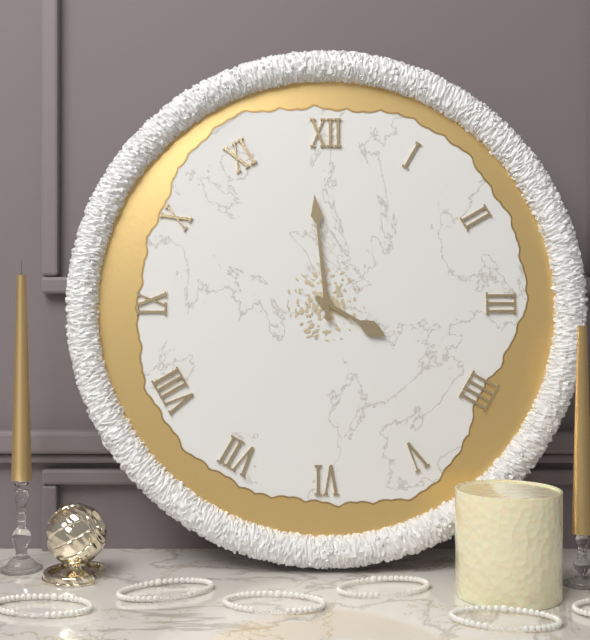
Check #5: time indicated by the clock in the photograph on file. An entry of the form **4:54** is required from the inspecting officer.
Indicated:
**3:59**
